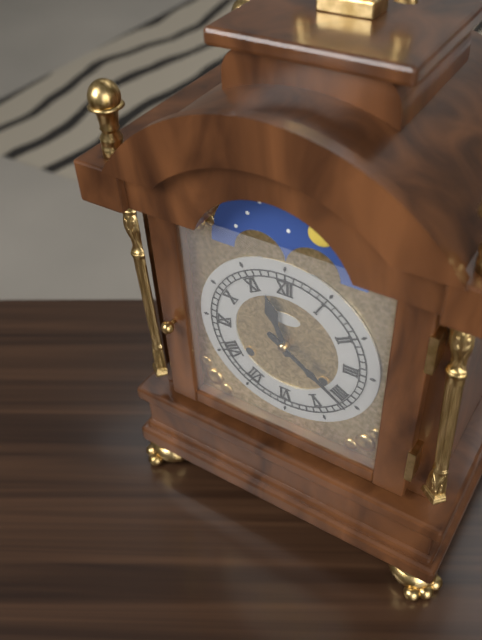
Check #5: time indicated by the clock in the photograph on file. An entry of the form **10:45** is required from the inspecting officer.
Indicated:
**11:21**
